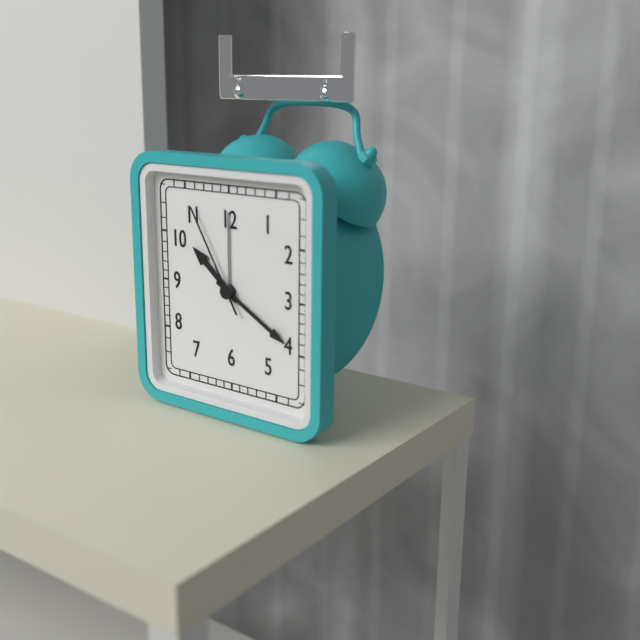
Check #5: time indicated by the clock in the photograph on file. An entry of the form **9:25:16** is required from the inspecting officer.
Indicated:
**10:20:55**
